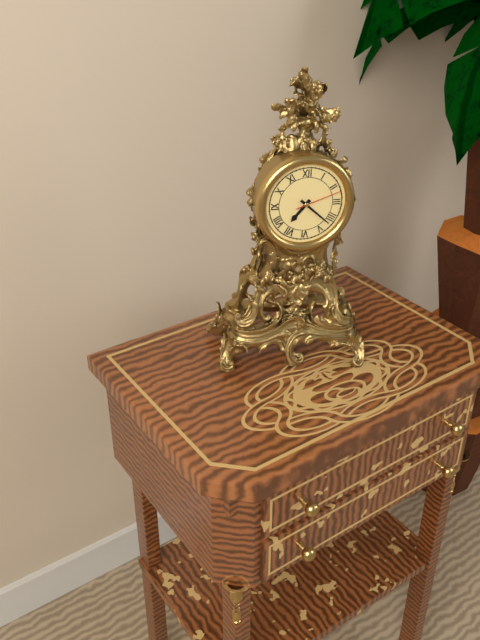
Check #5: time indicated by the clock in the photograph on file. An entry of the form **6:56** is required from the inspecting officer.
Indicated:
**7:22**
